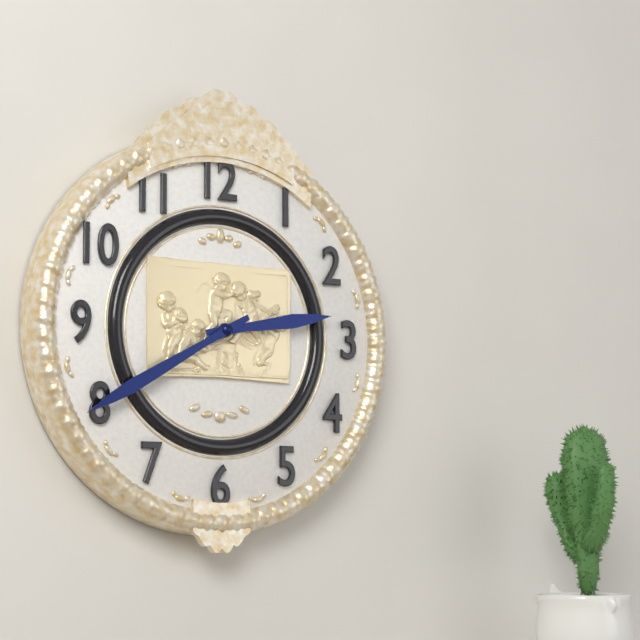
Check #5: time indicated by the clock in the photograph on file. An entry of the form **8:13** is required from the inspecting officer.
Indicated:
**2:40**
